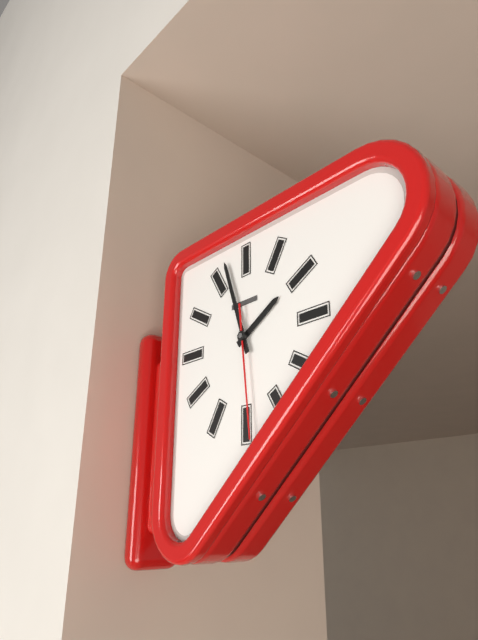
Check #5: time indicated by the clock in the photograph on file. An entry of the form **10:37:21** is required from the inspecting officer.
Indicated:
**1:57:29**
